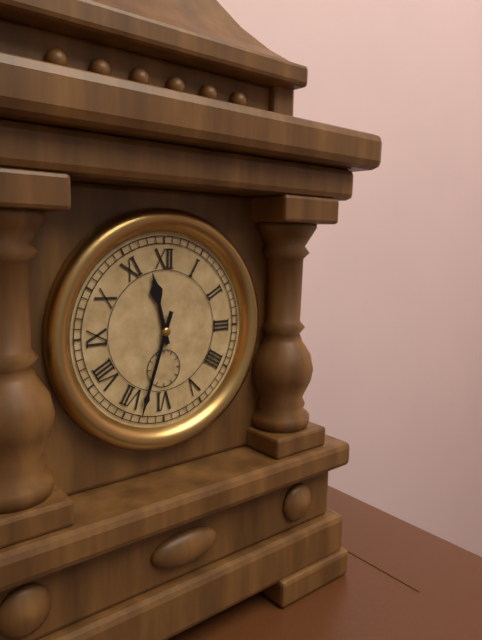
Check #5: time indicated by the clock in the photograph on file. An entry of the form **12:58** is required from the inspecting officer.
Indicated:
**11:33**
